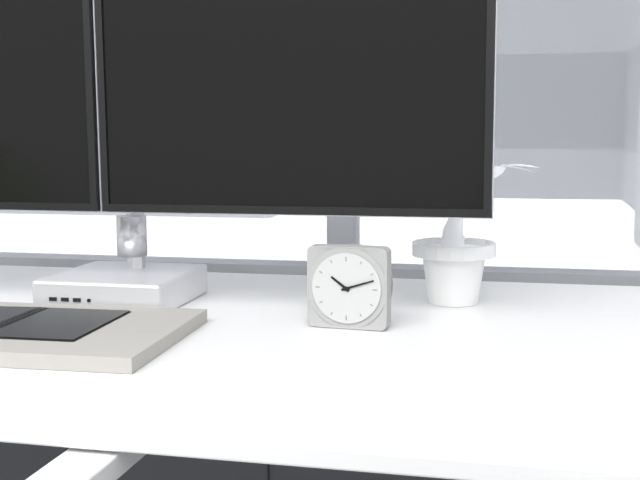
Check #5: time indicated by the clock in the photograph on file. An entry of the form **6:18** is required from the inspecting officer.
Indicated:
**10:12**
